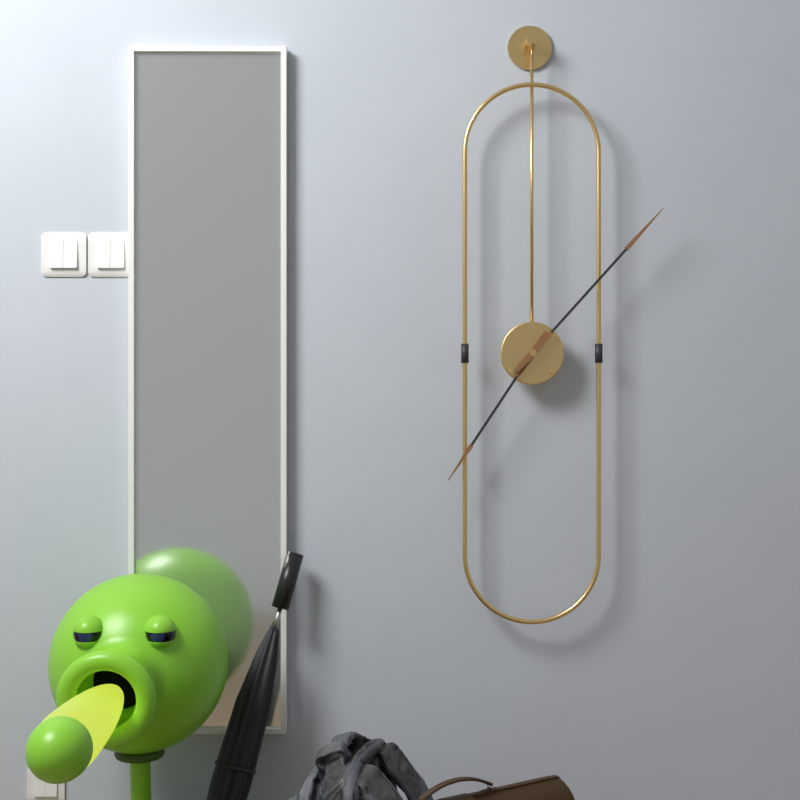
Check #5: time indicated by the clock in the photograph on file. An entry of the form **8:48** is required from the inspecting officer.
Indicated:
**7:07**
